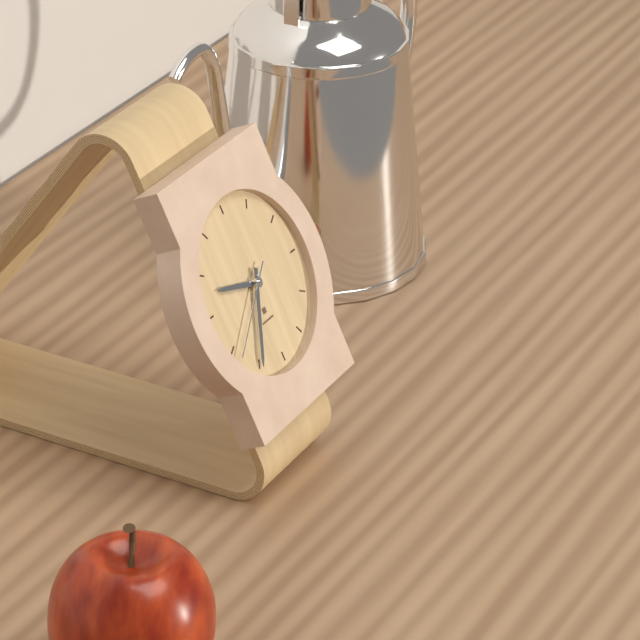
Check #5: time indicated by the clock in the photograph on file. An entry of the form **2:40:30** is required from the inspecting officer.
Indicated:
**9:35:39**
